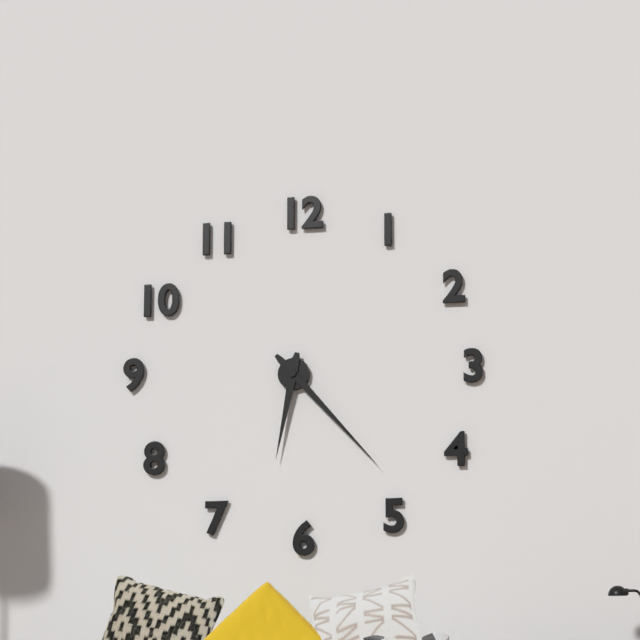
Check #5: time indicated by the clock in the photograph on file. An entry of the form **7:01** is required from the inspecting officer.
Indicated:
**6:23**
